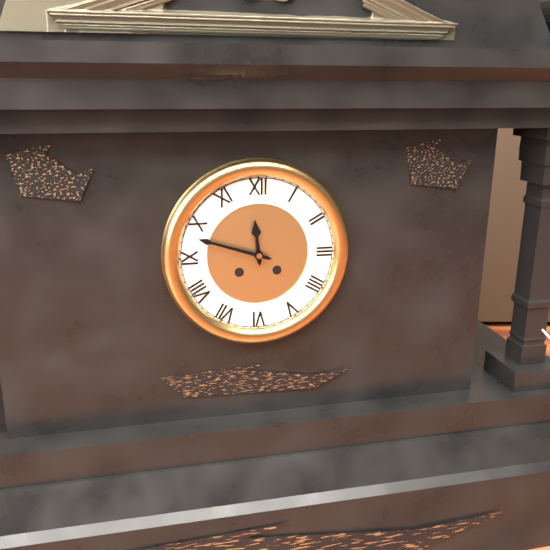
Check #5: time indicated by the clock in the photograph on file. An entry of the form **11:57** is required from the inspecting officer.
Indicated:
**11:48**
